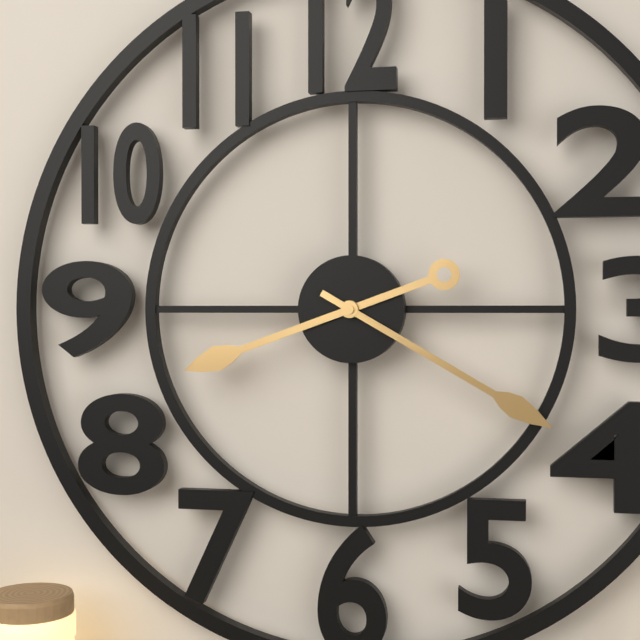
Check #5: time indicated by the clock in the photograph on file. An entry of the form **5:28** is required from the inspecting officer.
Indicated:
**8:20**
